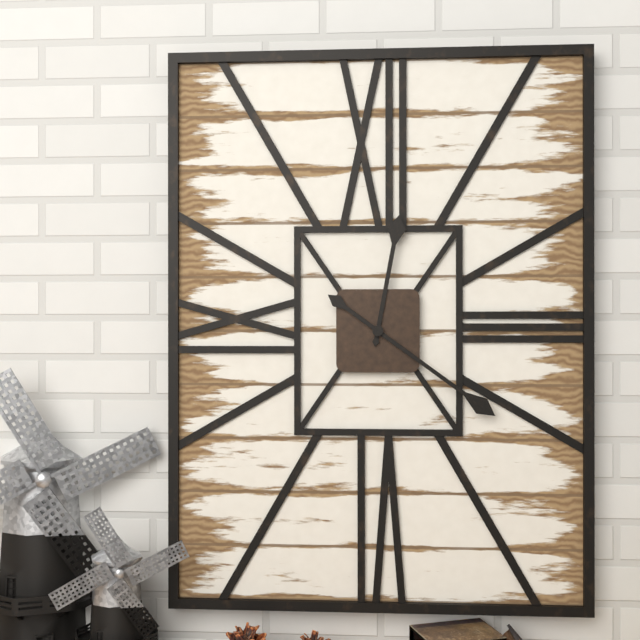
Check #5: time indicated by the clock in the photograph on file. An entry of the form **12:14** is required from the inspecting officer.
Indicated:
**12:21**
